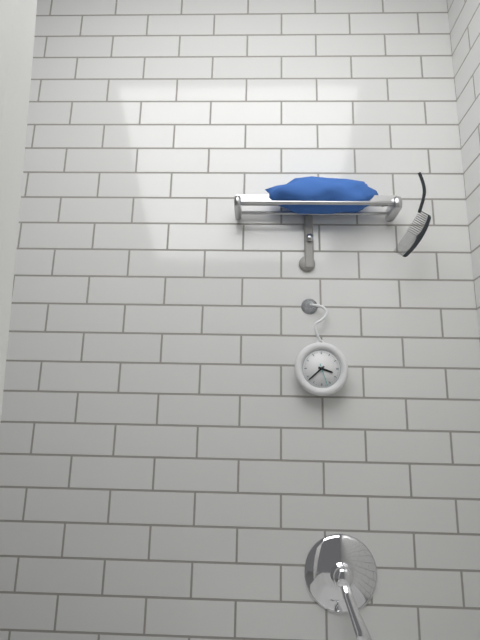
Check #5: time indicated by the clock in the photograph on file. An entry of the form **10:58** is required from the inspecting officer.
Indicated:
**3:38**
